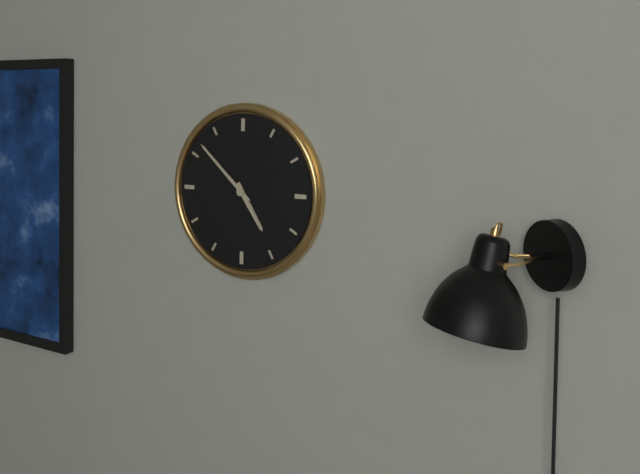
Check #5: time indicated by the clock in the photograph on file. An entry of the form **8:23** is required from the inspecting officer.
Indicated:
**4:52**
